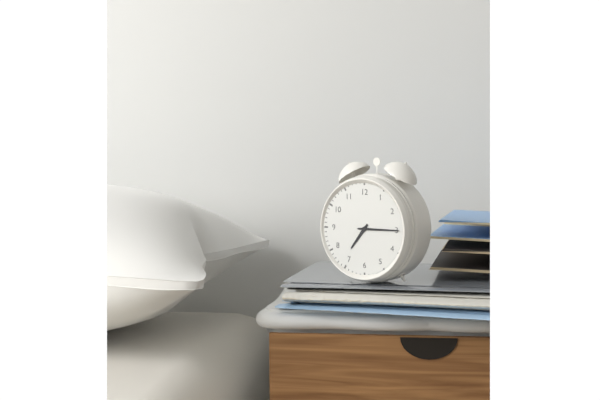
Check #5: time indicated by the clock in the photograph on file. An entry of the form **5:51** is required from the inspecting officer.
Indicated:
**7:15**
